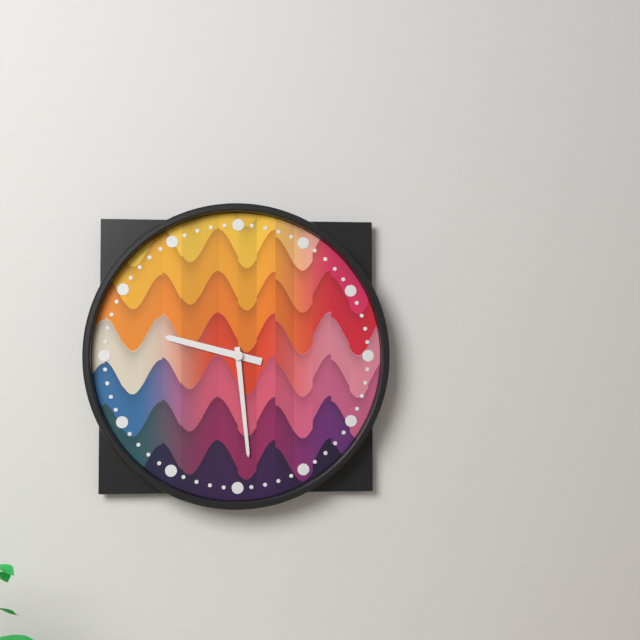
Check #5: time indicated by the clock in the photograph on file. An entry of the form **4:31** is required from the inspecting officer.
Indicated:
**9:29**
